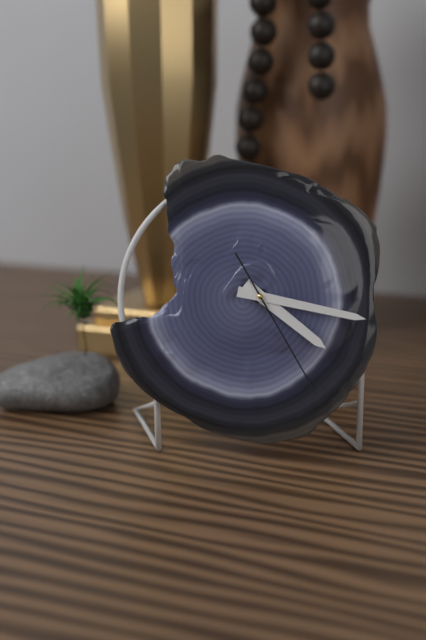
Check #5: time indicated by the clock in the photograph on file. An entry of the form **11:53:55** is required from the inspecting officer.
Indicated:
**4:17:25**
